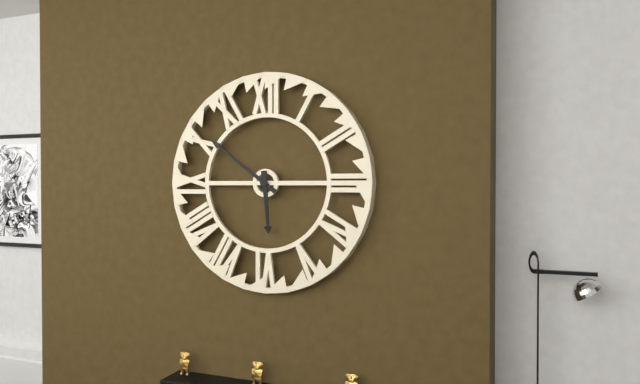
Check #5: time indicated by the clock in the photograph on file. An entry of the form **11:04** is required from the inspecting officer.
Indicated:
**5:51**
